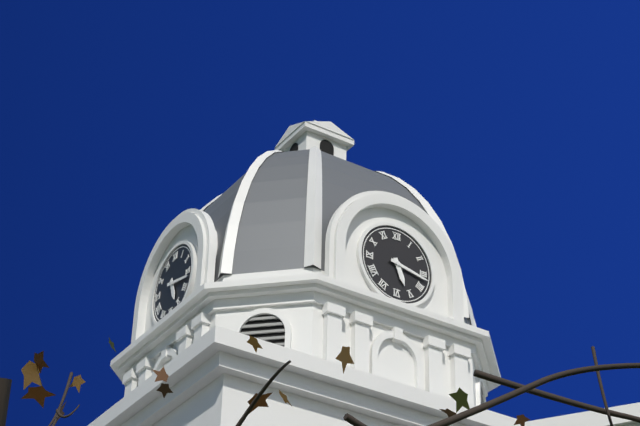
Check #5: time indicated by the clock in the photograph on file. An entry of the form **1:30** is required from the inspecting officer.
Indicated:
**5:17**
